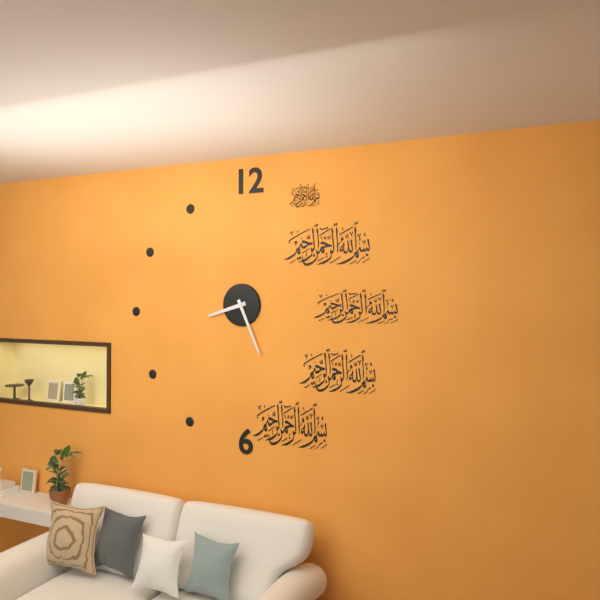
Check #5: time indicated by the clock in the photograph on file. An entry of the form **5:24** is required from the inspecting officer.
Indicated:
**8:26**
